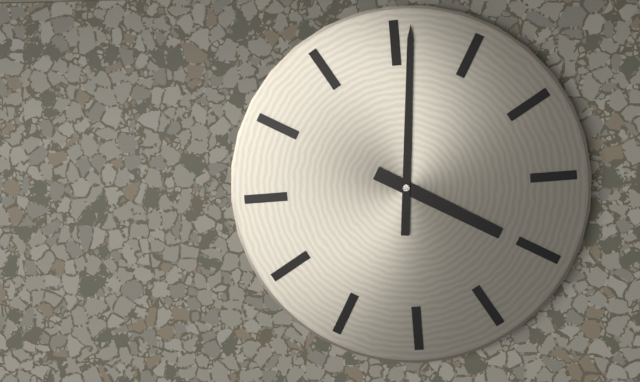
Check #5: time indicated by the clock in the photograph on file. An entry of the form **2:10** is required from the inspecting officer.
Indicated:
**4:01**
